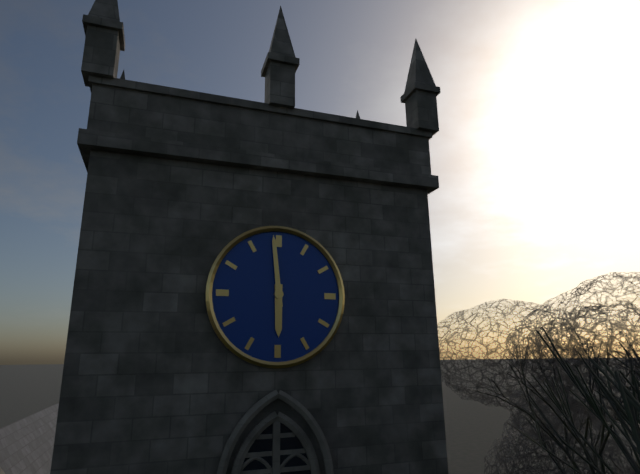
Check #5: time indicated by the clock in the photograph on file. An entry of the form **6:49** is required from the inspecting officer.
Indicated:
**5:59**
